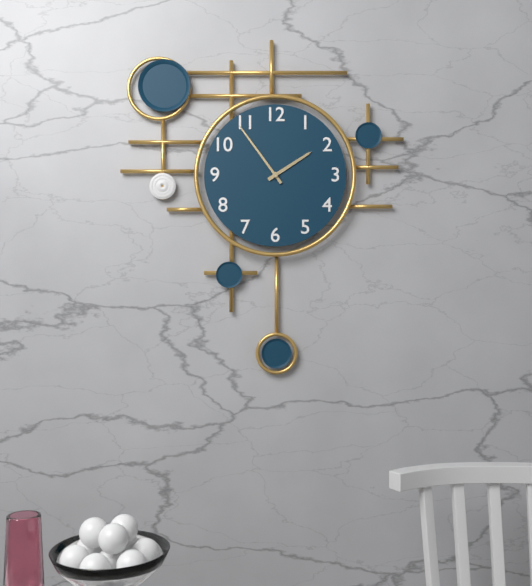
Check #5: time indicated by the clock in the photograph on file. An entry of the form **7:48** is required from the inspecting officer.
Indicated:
**1:54**
